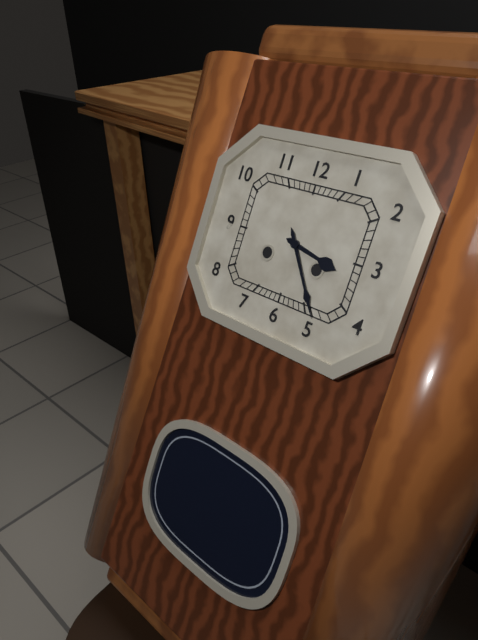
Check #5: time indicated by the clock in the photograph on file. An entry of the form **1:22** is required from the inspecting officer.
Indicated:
**3:24**
